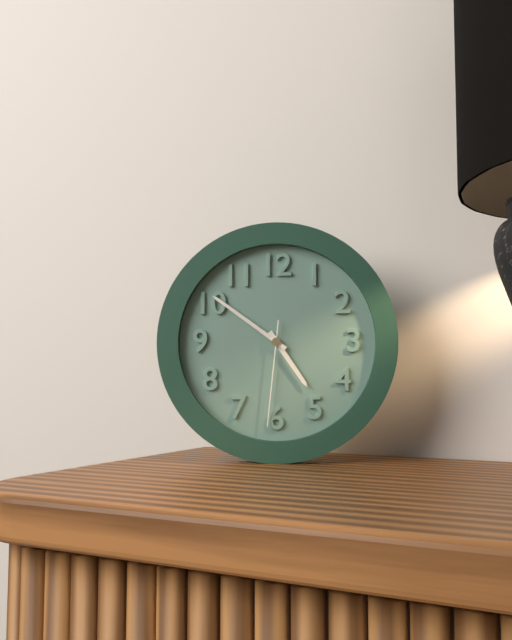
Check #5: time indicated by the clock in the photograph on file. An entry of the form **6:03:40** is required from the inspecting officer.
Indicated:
**4:51:31**
